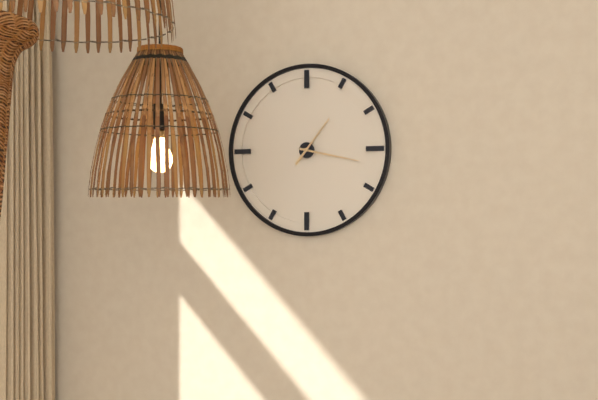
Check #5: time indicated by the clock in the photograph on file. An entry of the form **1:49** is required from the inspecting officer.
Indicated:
**1:17**
